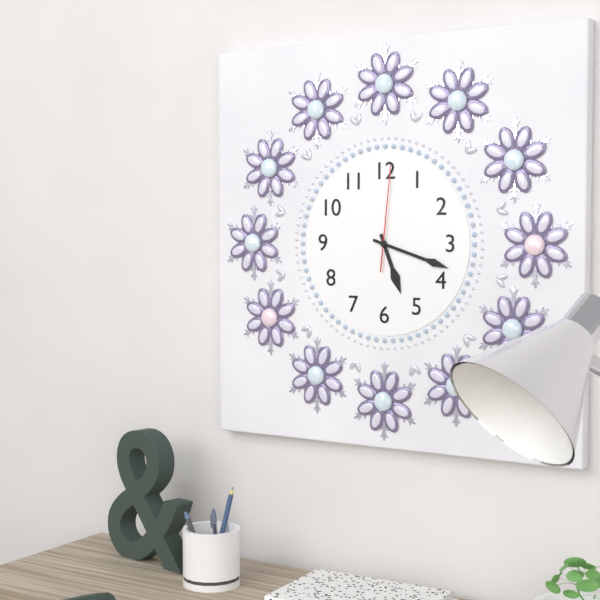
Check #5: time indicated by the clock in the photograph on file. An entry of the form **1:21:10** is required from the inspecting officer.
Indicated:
**5:18:01**
